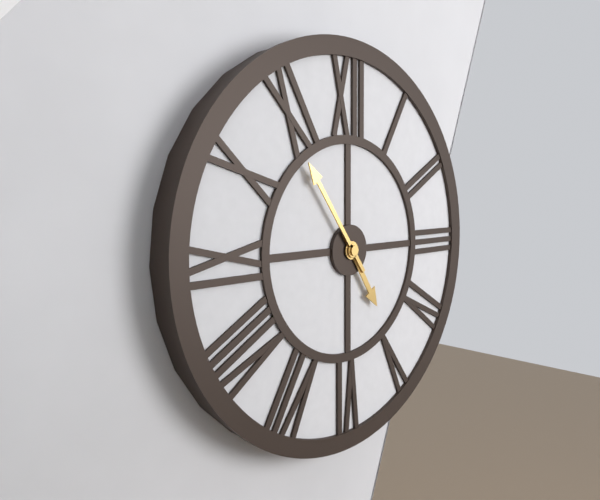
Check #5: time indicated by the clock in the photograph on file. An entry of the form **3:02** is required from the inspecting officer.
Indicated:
**4:54**
